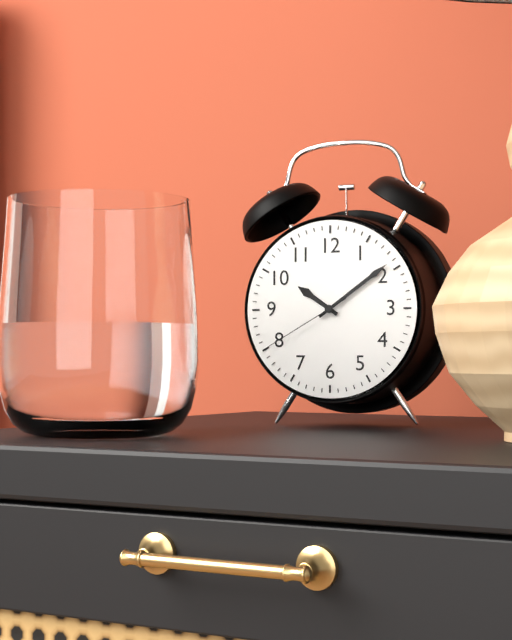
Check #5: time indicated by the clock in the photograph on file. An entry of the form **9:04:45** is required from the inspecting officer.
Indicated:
**10:09:40**
